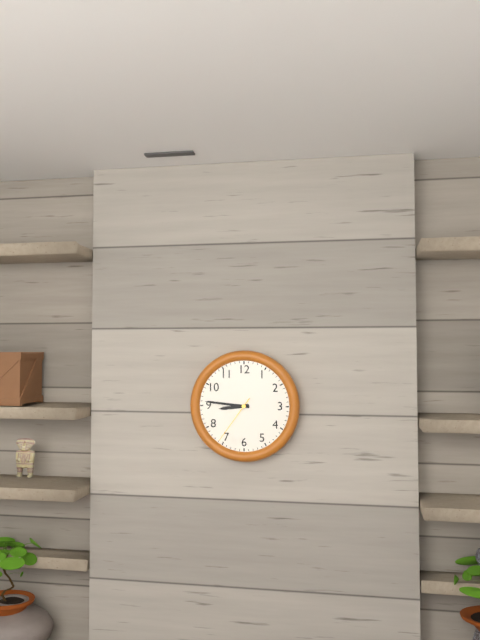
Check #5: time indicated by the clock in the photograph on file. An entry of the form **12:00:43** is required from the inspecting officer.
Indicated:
**8:46:36**
